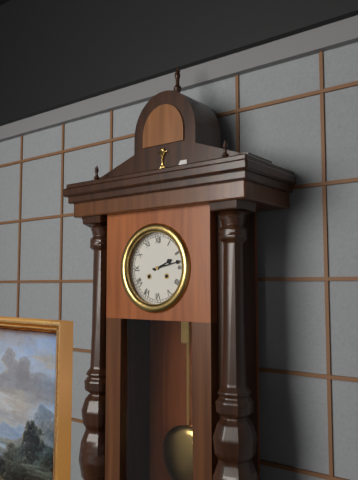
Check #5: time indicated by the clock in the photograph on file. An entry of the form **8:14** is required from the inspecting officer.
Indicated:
**2:13**
